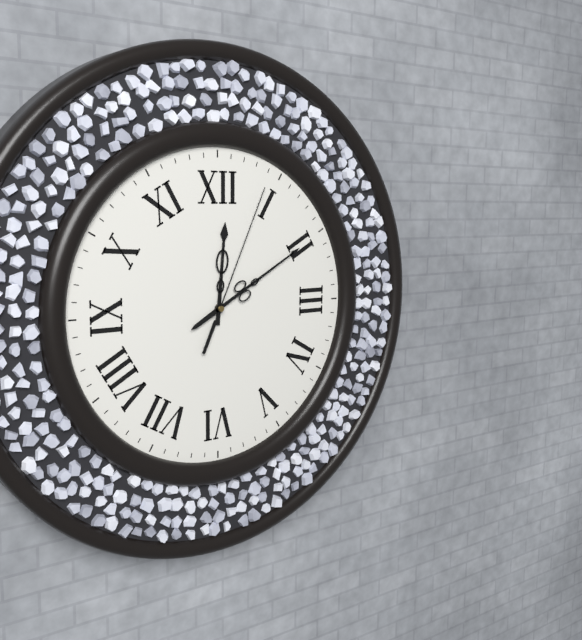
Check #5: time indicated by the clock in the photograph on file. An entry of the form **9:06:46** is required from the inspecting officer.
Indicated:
**12:10:04**
